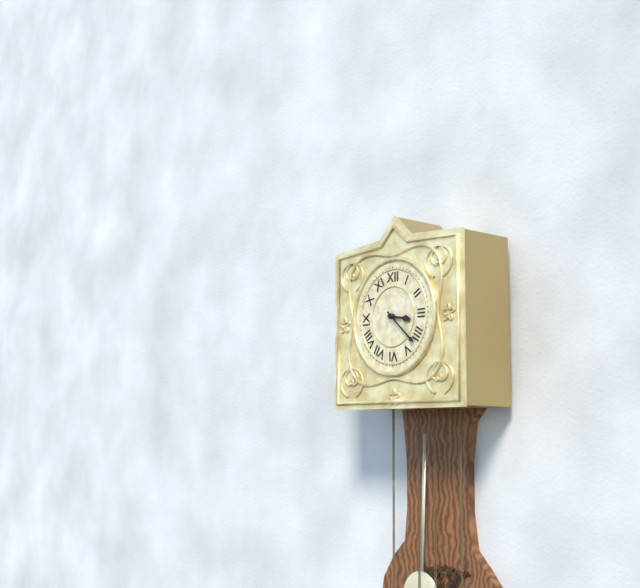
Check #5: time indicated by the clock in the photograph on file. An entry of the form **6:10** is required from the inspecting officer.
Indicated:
**3:22**
